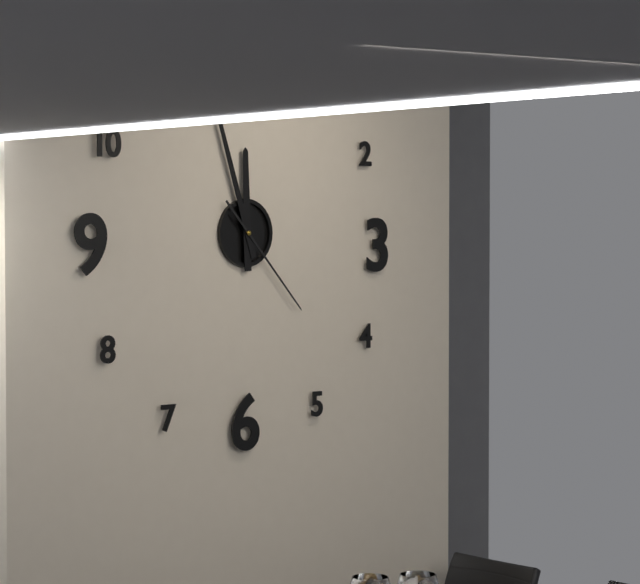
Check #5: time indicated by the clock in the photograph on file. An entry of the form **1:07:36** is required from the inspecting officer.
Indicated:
**11:57:23**
